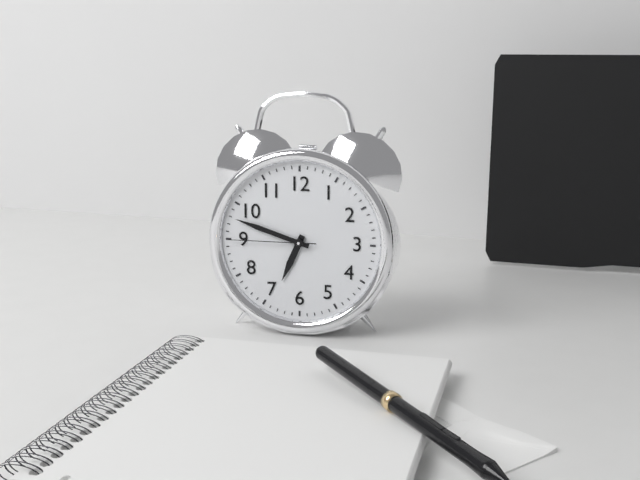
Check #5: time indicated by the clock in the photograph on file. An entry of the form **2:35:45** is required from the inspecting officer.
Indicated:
**6:48:45**
